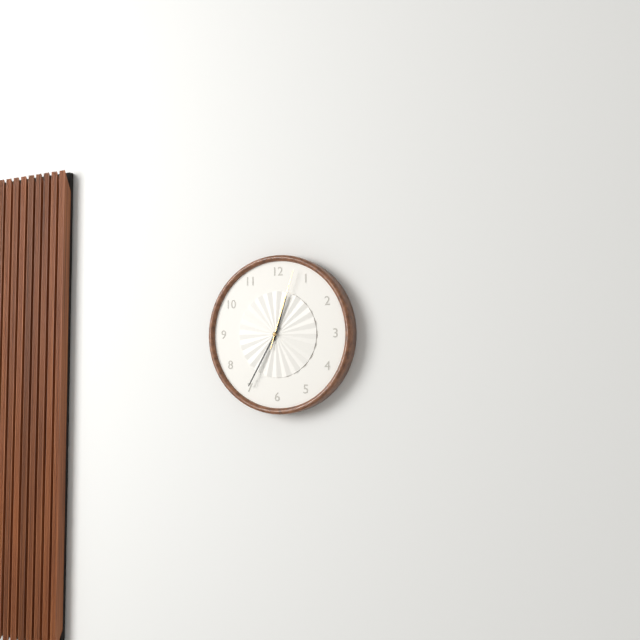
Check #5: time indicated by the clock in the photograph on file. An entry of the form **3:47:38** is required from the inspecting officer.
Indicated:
**12:35:03**
